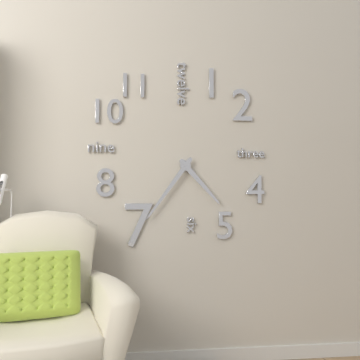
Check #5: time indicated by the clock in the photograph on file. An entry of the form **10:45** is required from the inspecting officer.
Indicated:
**4:36**
